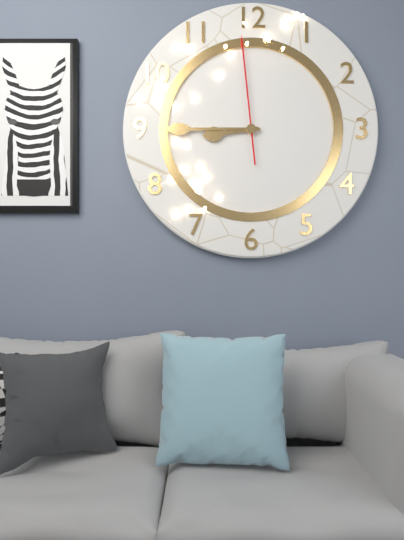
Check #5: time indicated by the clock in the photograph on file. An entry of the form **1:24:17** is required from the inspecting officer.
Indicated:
**8:45:59**
